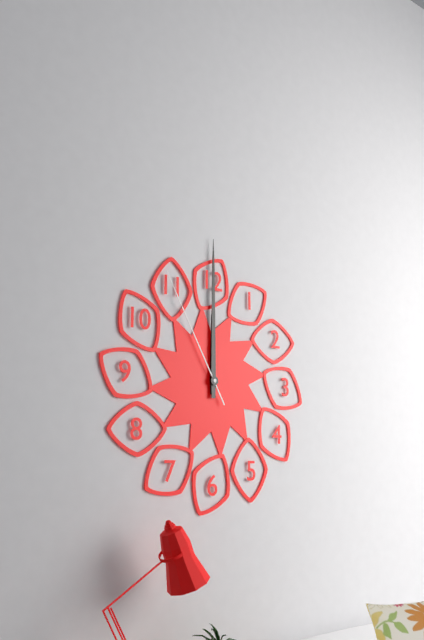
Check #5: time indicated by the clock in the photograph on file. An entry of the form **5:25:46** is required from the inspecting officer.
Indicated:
**12:00:55**
